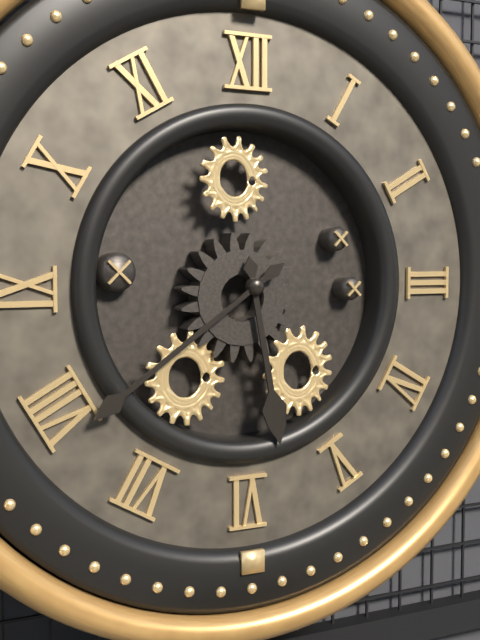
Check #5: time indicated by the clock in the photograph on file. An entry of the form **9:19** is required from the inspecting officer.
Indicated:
**5:39**
